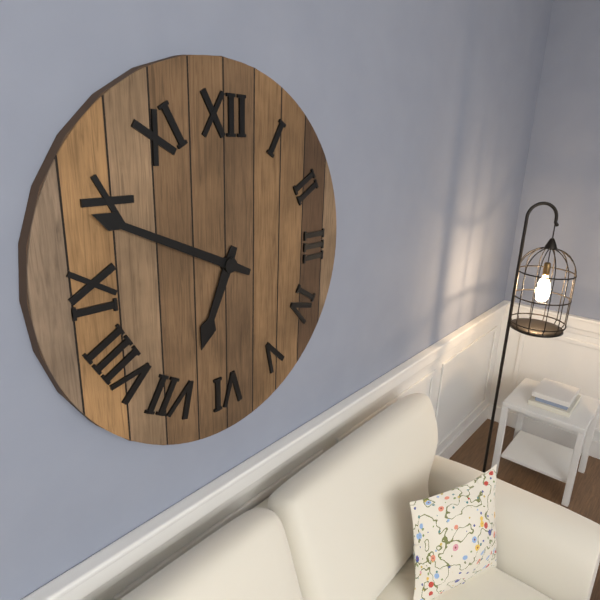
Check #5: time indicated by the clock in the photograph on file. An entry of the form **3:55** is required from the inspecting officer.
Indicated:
**6:49**
